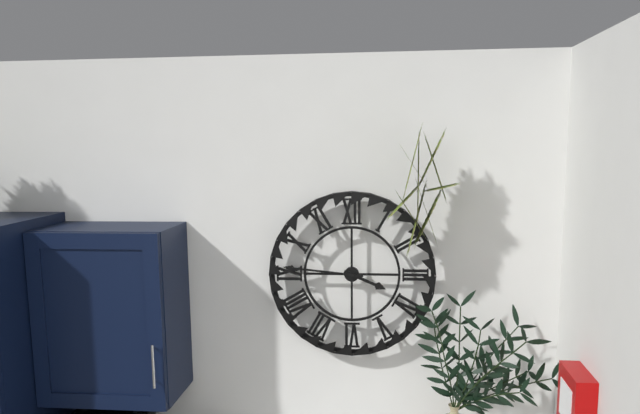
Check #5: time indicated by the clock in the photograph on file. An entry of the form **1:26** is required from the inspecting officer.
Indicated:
**3:46**
